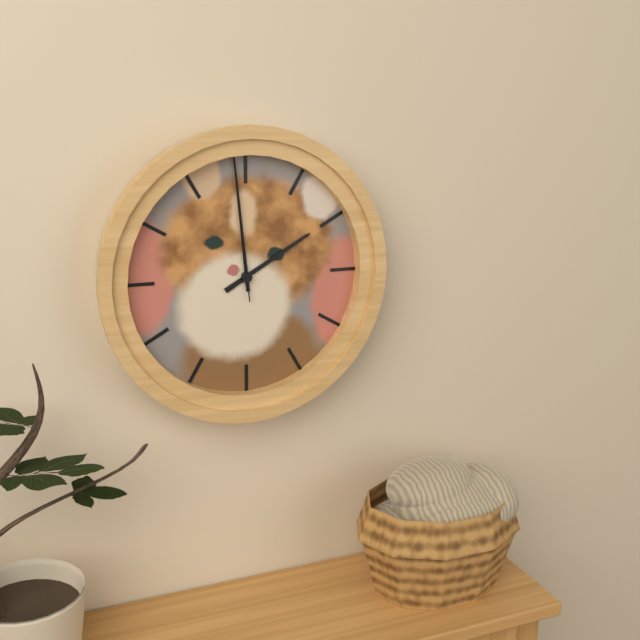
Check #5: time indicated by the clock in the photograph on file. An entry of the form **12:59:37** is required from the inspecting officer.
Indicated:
**1:59:59**
